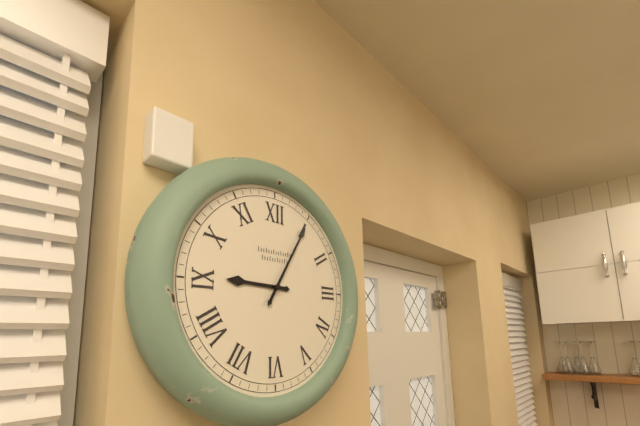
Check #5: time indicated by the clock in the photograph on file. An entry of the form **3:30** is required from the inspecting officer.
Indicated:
**9:05**
